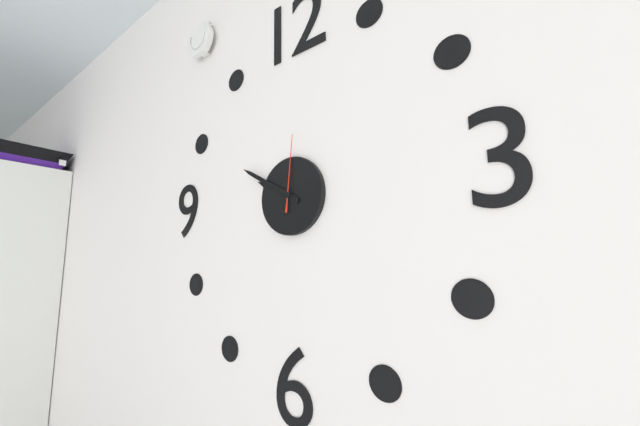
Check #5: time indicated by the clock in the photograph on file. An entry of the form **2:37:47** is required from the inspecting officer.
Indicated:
**9:50:01**
